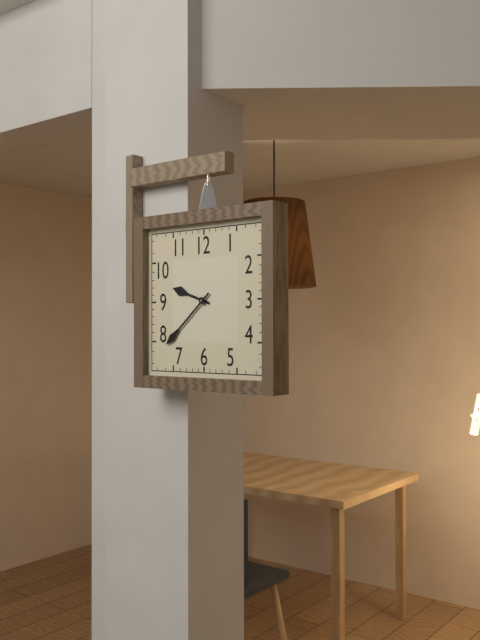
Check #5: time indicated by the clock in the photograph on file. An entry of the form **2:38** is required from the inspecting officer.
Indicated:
**9:38**
